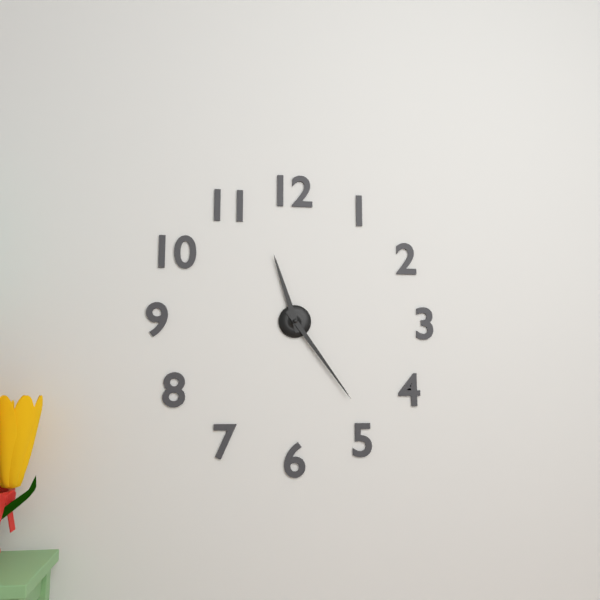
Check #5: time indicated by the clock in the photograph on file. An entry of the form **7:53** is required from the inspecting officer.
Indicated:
**11:24**
